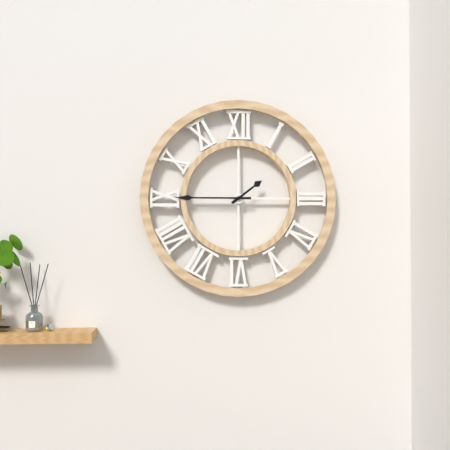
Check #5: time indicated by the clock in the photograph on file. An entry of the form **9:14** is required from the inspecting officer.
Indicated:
**1:45**
